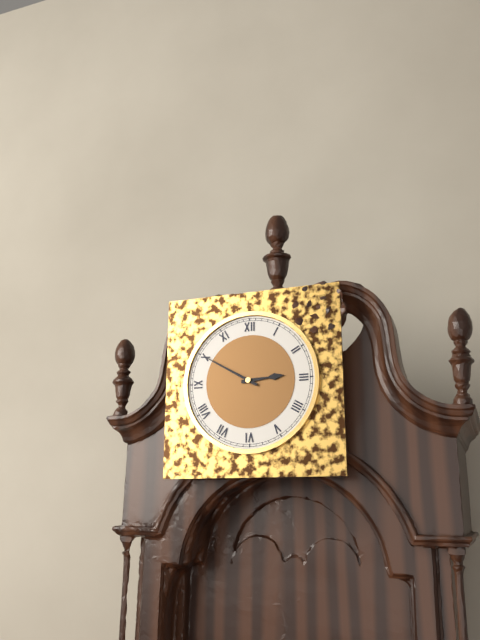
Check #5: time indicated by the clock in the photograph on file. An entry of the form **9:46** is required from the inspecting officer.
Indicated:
**2:50**
